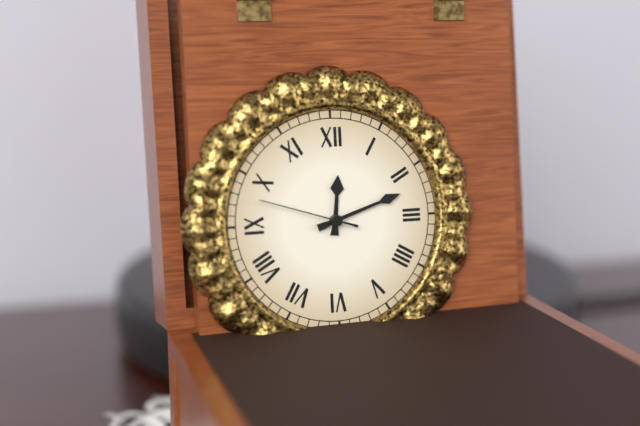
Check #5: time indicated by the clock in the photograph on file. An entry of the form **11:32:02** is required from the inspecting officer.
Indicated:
**12:12:48**
